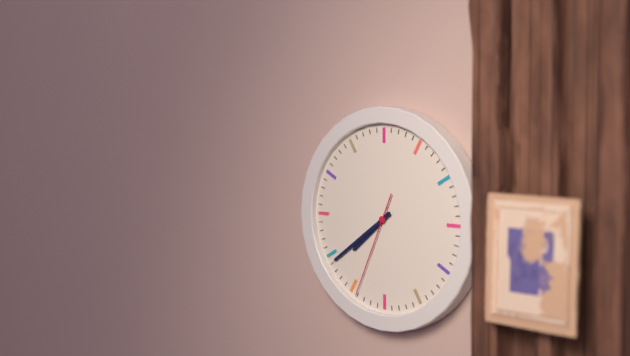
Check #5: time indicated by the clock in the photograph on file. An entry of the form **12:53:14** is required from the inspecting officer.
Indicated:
**7:39:34**
